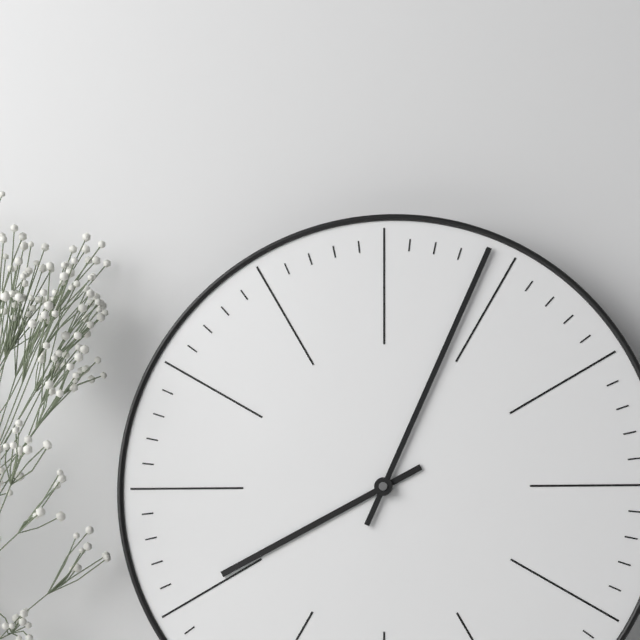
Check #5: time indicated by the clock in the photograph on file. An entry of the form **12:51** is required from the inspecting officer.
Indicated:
**8:04**
